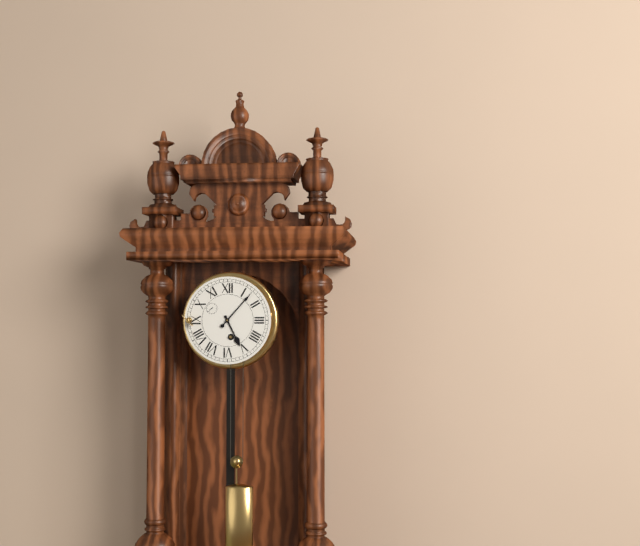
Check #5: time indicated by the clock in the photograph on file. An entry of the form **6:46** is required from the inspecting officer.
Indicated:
**5:07**
